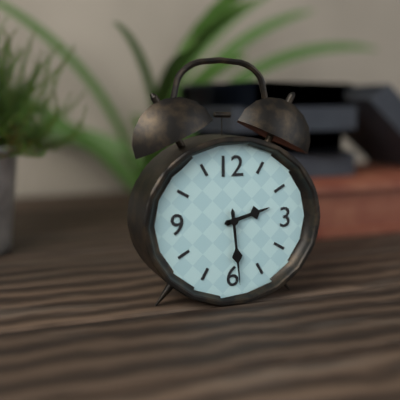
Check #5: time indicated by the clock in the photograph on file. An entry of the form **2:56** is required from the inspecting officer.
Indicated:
**2:29**
